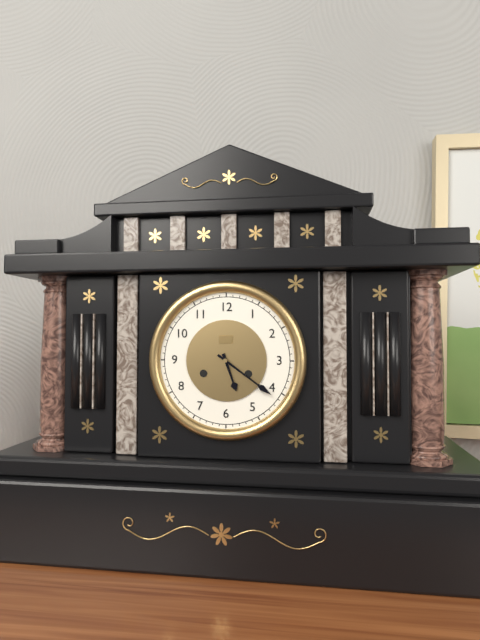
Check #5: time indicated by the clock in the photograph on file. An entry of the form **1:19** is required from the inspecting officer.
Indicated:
**5:21**
